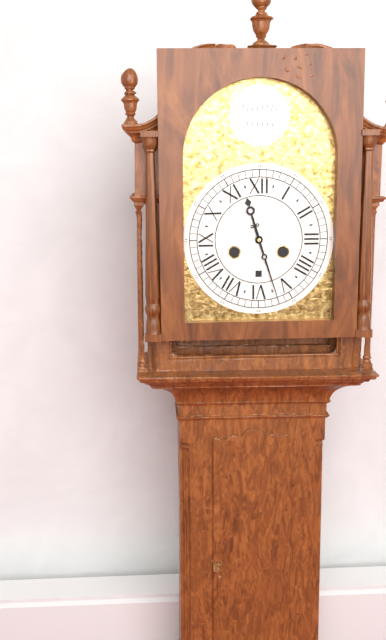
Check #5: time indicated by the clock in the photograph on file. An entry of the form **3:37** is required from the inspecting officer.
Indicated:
**11:27**
